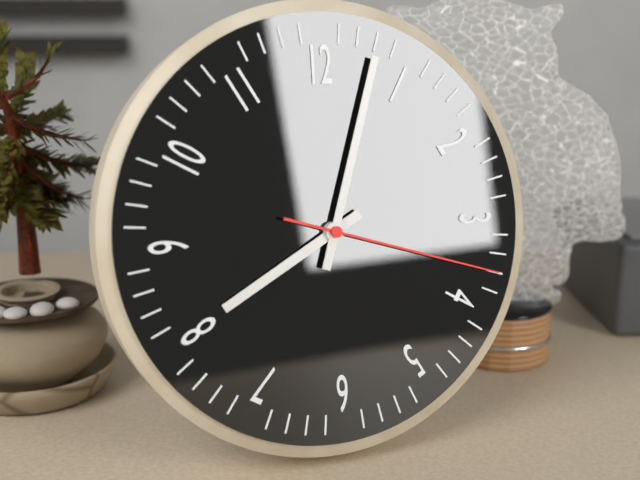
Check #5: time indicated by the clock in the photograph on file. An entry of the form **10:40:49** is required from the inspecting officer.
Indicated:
**8:03:18**
